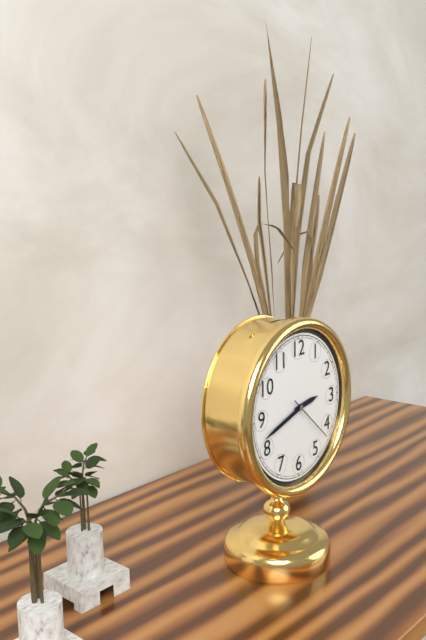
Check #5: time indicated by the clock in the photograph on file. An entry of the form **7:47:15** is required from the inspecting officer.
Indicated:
**2:42:22**
